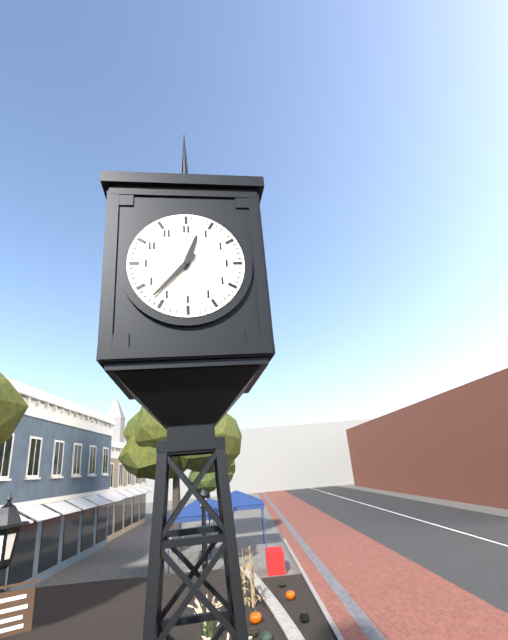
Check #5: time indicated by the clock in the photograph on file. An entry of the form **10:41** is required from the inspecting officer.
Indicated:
**12:37**
